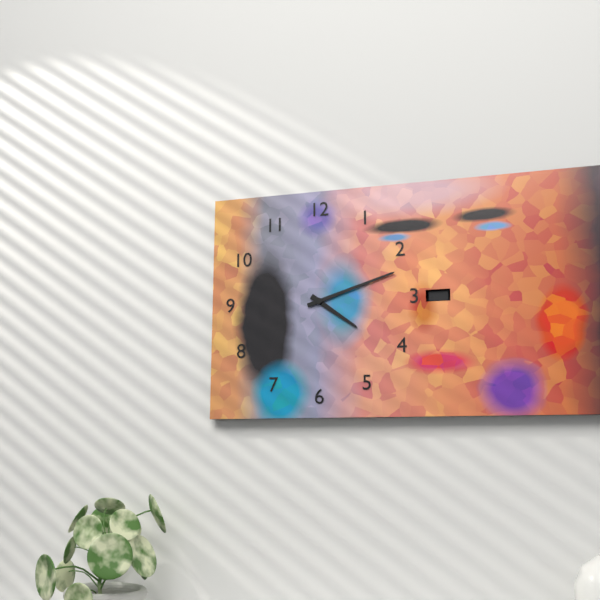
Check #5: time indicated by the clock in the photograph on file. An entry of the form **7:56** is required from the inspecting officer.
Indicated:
**4:12**
